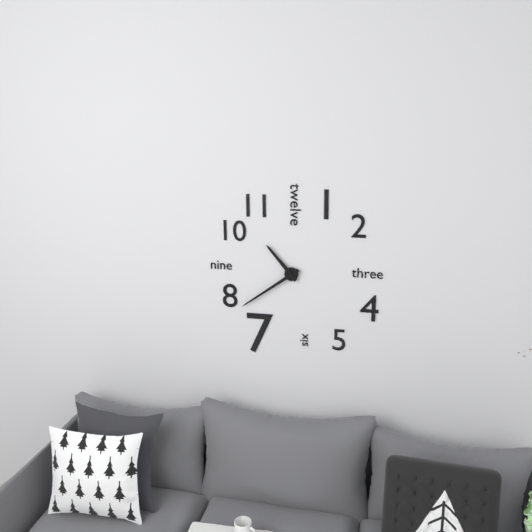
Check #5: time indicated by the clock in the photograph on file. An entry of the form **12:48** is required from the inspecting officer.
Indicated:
**10:39**
